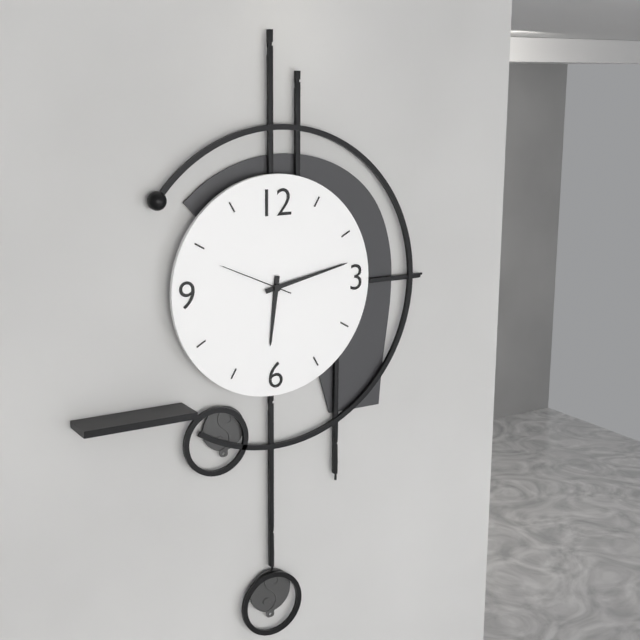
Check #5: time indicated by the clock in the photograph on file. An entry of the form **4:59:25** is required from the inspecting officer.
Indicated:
**6:13:49**
